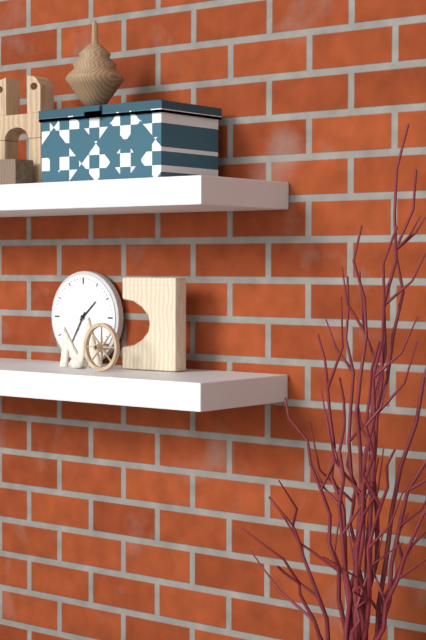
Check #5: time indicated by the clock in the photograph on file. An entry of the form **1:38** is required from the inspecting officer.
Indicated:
**1:35**
